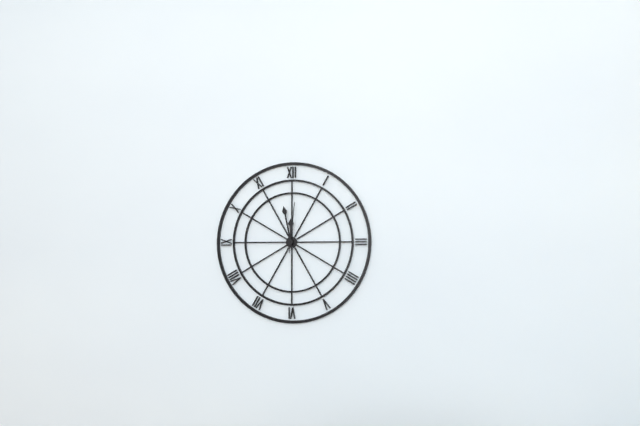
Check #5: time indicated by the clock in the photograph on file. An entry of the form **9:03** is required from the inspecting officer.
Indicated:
**11:58**
